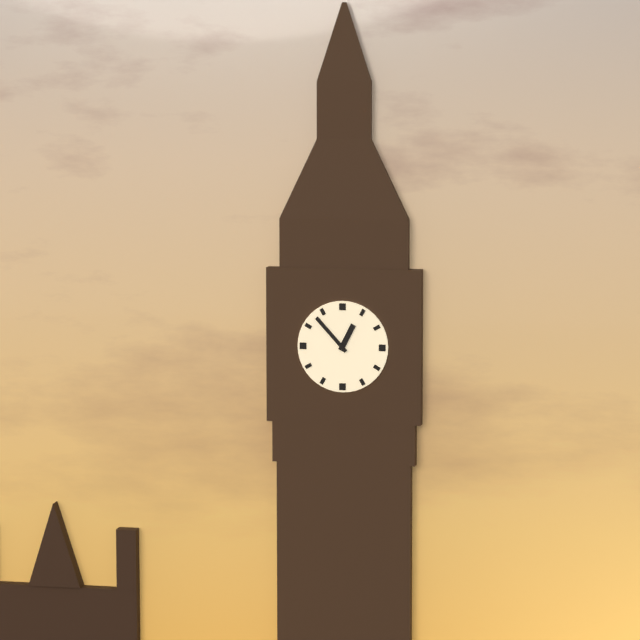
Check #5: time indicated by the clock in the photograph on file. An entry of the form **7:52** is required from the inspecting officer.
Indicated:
**12:53**
